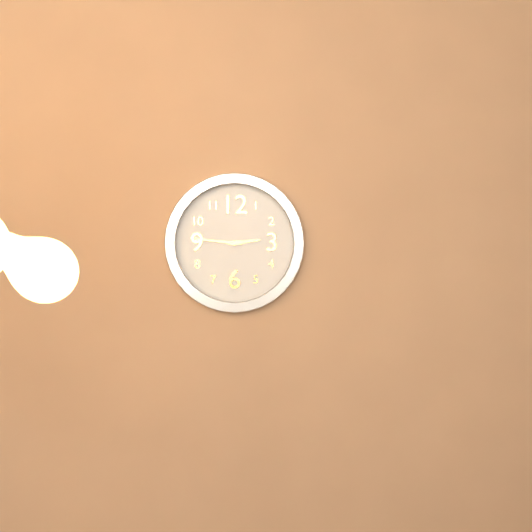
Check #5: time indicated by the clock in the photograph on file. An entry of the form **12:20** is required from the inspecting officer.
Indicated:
**2:46**
